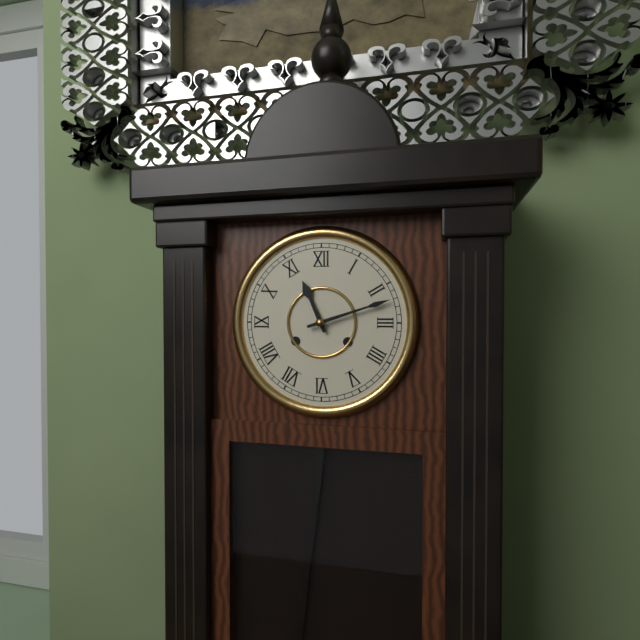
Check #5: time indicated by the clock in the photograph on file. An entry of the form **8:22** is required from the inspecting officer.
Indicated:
**11:12**
